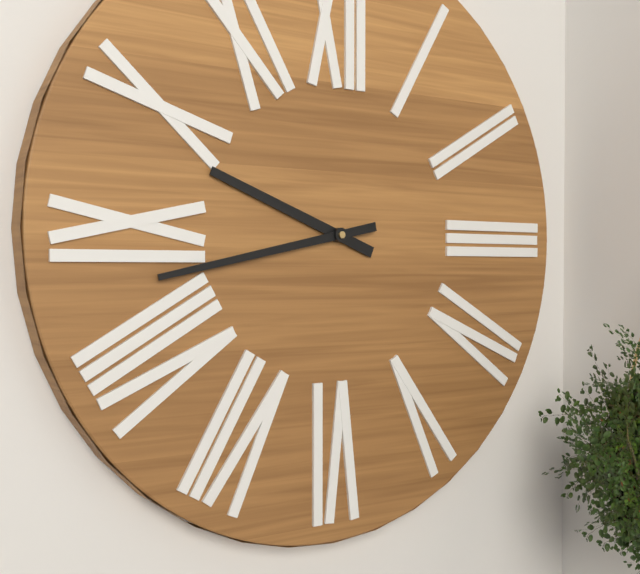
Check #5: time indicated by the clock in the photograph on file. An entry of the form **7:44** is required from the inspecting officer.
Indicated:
**9:43**
